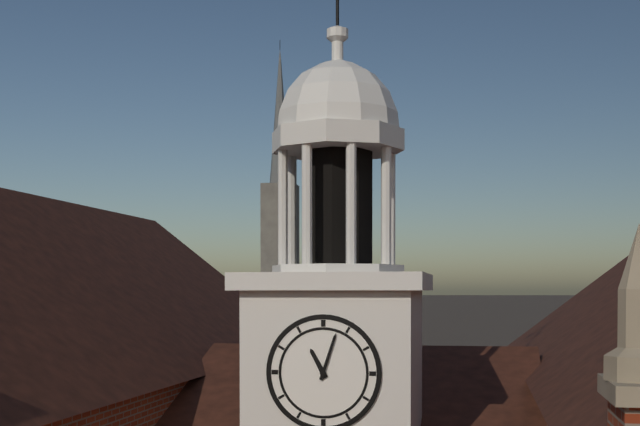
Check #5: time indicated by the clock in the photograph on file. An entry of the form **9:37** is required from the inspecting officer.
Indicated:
**11:03**
